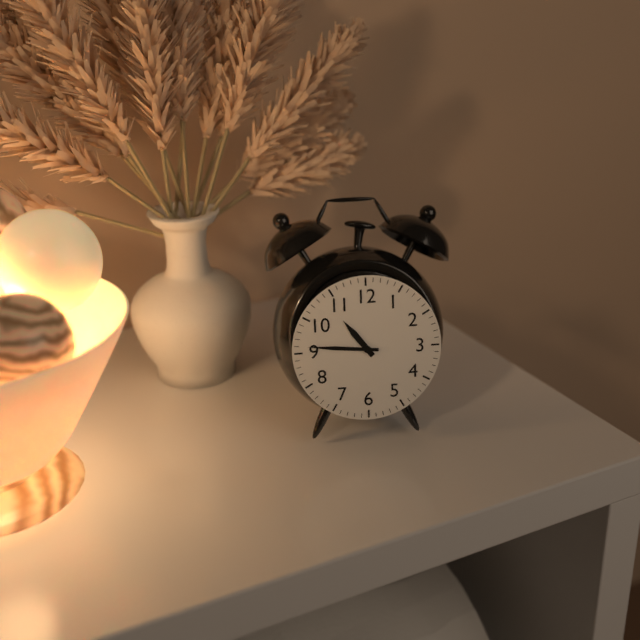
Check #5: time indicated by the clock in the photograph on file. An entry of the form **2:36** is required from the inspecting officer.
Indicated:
**10:46**
